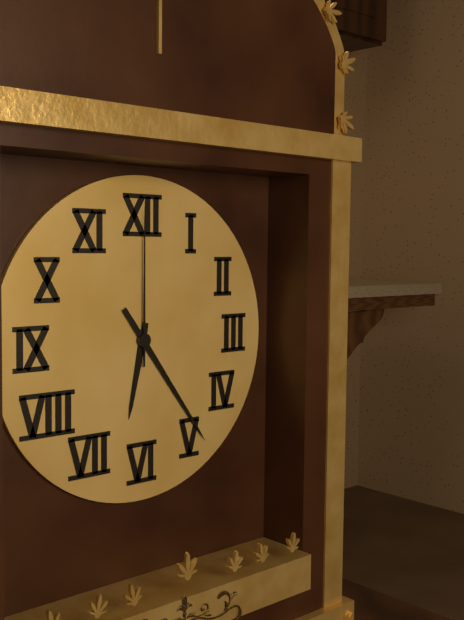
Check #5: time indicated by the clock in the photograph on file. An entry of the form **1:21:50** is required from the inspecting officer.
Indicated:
**6:24:00**
